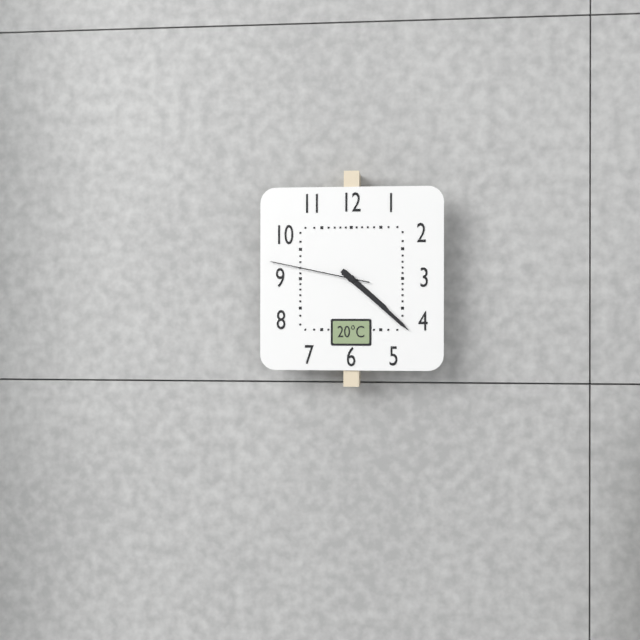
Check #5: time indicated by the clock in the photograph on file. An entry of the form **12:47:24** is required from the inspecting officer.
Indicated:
**4:22:47**
